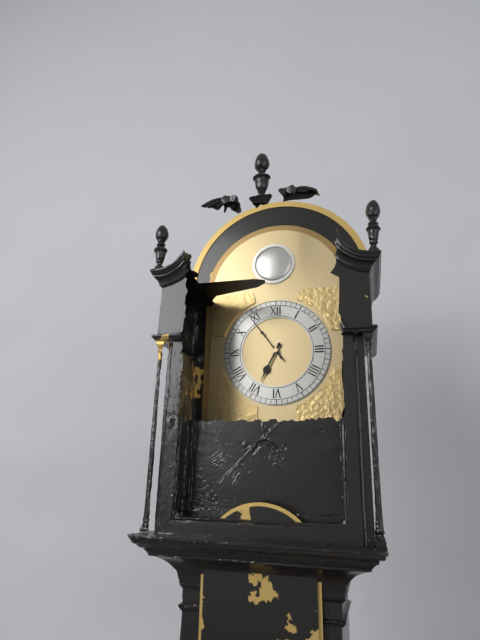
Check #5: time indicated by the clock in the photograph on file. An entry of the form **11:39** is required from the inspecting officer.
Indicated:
**6:54**
